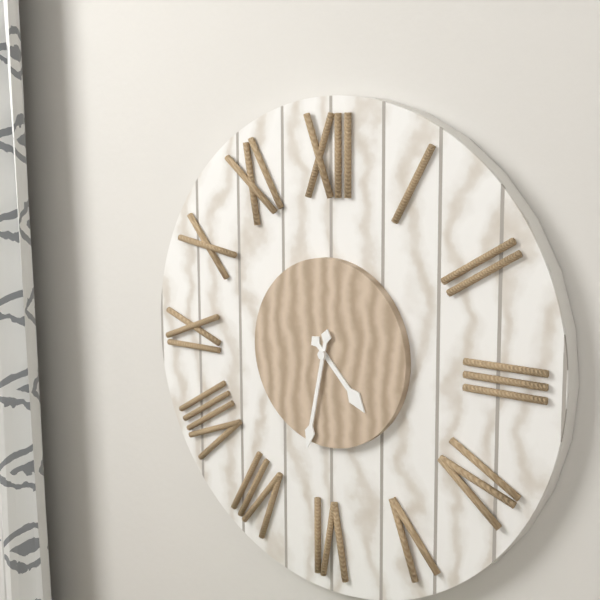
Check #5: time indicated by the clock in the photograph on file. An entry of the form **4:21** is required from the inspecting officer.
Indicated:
**4:32**
